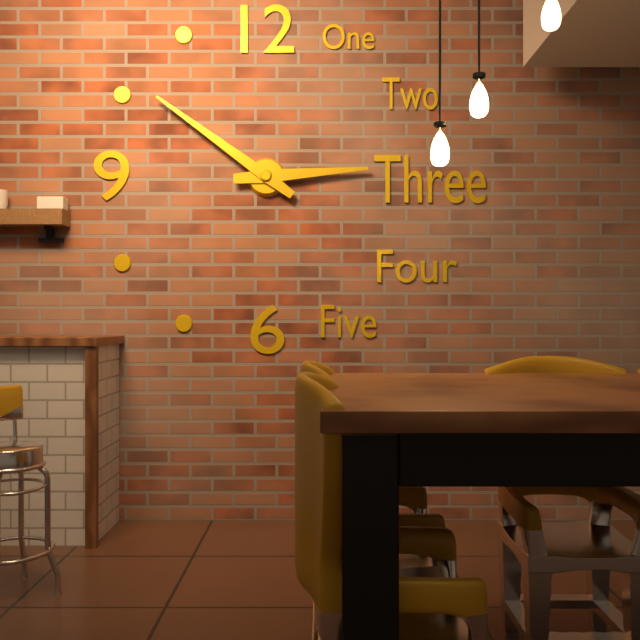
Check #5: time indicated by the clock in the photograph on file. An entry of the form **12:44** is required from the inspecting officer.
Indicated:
**2:51**
